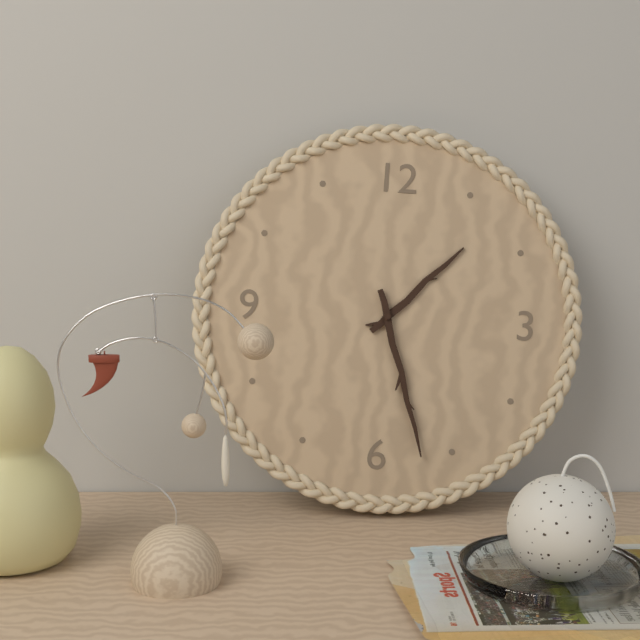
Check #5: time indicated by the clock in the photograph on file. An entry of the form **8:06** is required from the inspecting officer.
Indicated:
**1:27**
